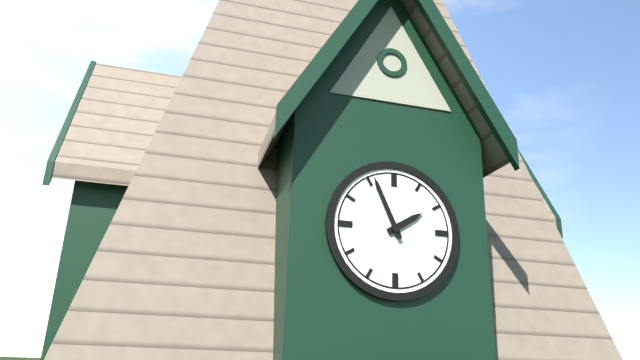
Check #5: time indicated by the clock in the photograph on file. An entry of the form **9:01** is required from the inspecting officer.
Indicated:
**1:56**
